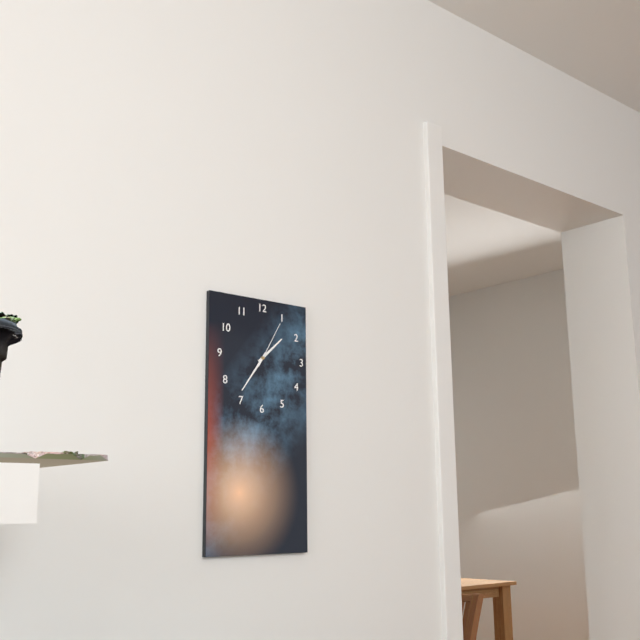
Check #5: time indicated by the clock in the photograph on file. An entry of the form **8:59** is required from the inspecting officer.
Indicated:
**1:36**
